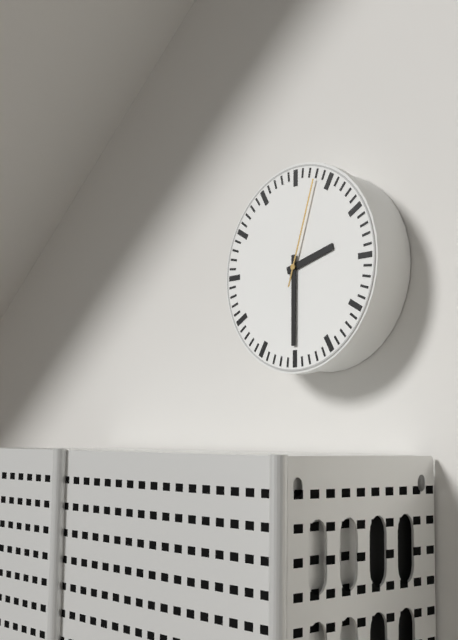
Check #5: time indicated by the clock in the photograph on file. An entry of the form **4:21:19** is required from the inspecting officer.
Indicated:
**2:30:03**
